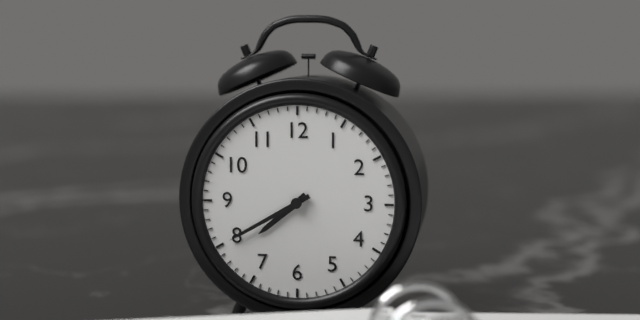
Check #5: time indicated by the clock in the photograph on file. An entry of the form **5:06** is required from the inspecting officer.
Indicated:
**7:40**
